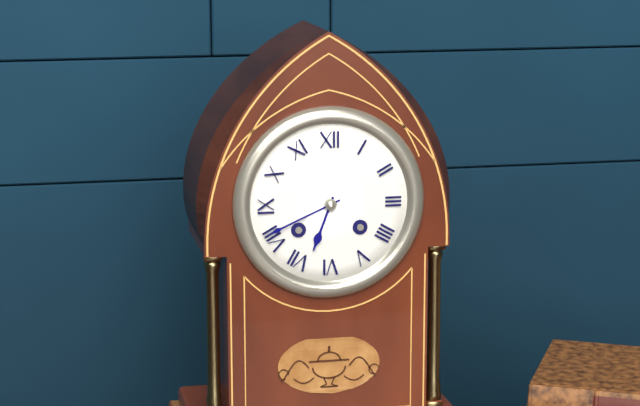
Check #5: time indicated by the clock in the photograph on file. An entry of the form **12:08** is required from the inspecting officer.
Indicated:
**6:41**
